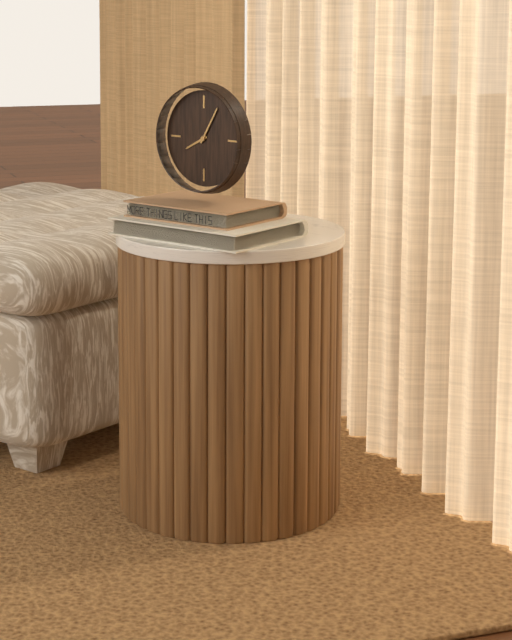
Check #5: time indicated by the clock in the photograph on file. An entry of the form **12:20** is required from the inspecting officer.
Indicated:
**8:05**
